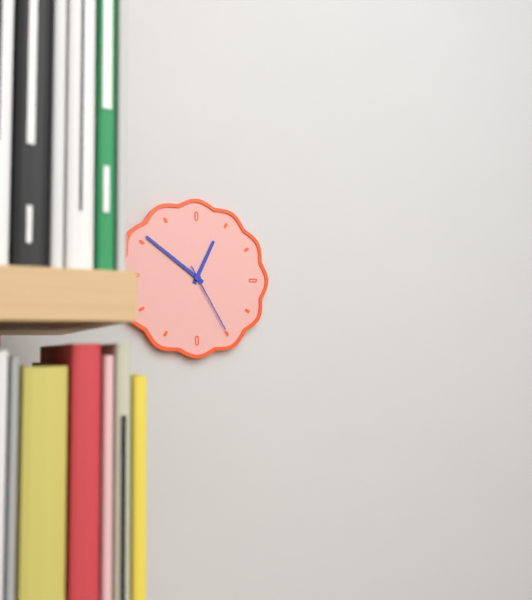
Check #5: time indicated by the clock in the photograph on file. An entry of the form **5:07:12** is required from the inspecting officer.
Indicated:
**12:51:25**
